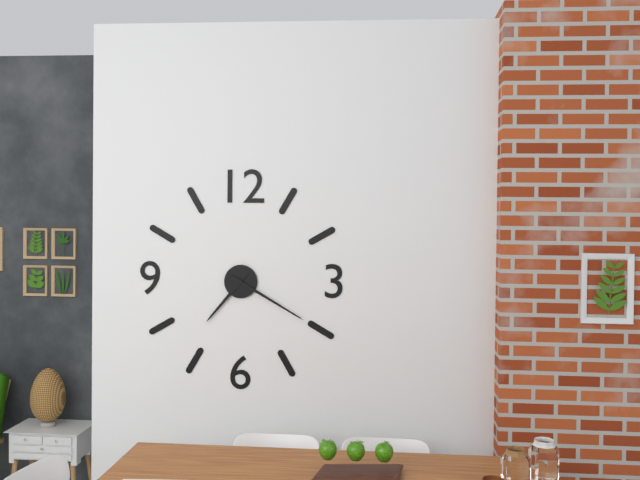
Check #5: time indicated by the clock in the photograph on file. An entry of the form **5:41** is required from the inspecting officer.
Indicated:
**7:20**
